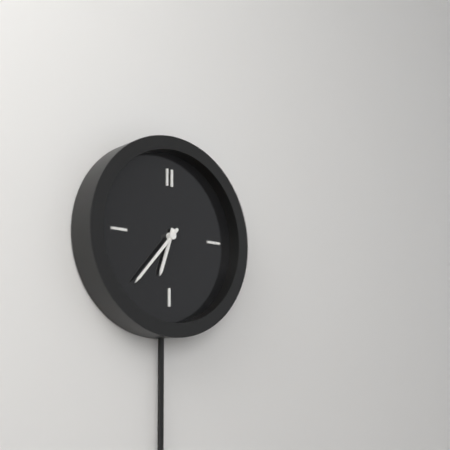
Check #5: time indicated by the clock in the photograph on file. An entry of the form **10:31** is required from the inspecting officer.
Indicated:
**6:37**
